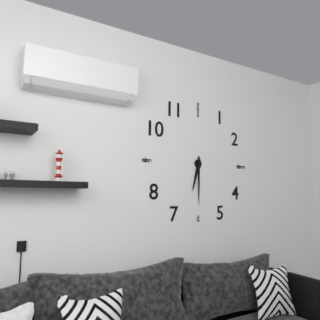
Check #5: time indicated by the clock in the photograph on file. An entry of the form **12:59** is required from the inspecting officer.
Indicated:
**6:30**
